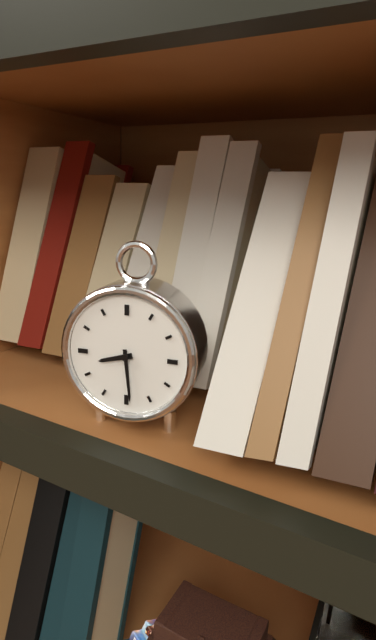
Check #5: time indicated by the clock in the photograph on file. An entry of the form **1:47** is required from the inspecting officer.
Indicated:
**8:29**
